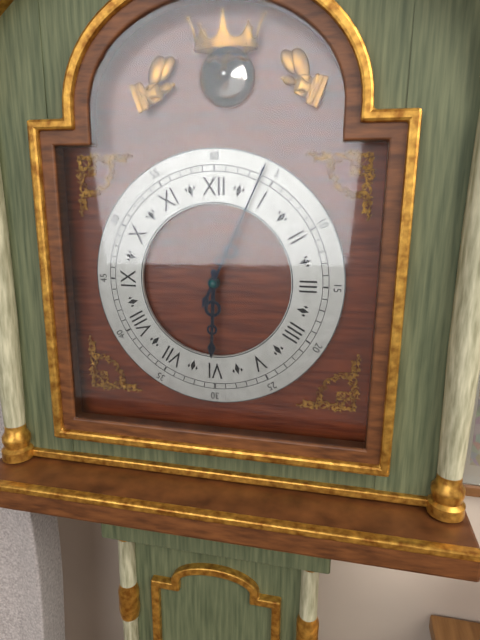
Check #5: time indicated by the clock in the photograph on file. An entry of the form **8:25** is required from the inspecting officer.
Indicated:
**6:04**
